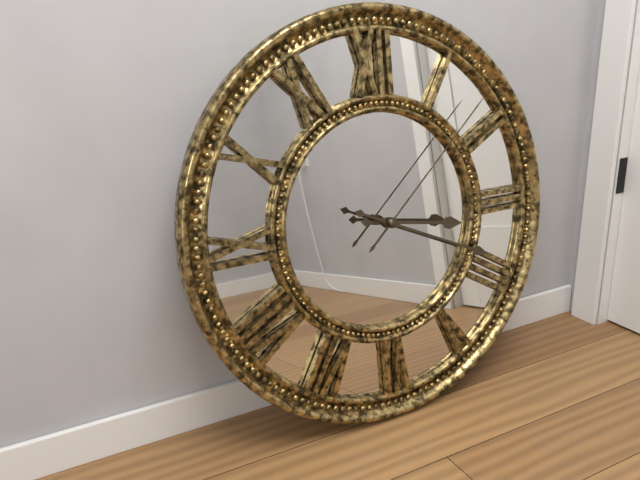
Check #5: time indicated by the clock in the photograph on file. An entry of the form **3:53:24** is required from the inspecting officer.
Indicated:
**3:19:08**
